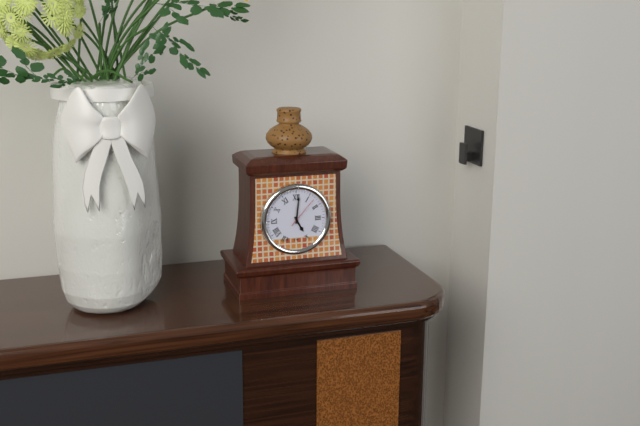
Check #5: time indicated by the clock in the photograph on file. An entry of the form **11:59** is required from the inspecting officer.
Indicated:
**5:01**
